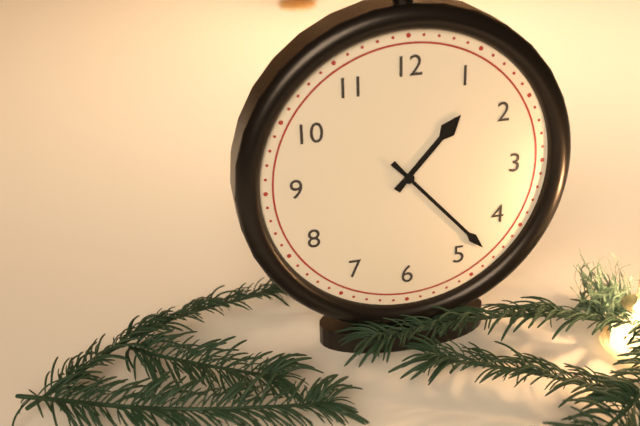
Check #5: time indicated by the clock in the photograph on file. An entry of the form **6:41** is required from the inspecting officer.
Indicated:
**1:23**
